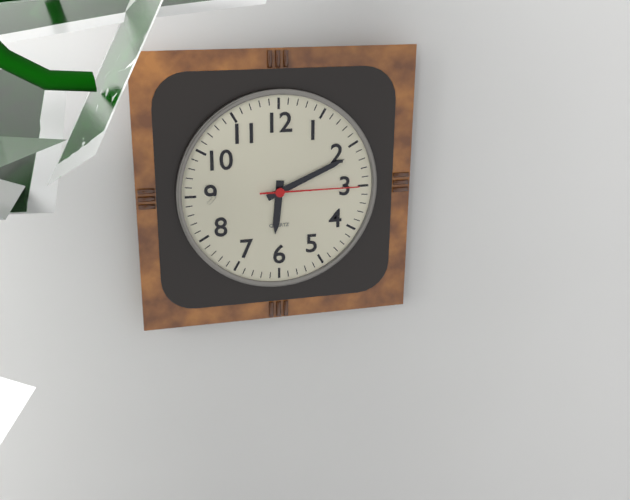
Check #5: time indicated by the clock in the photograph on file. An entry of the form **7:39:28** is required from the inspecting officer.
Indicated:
**6:11:15**
